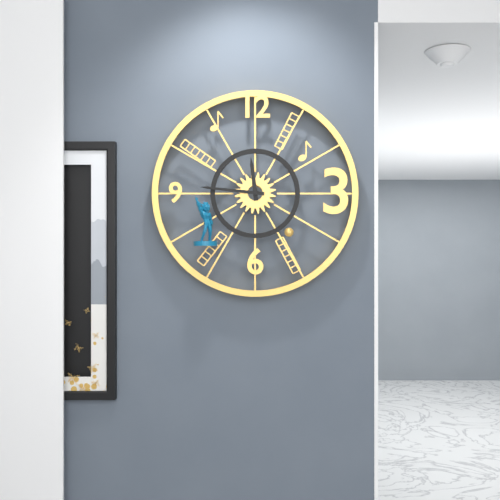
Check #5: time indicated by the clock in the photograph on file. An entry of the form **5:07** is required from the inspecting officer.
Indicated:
**11:46**
